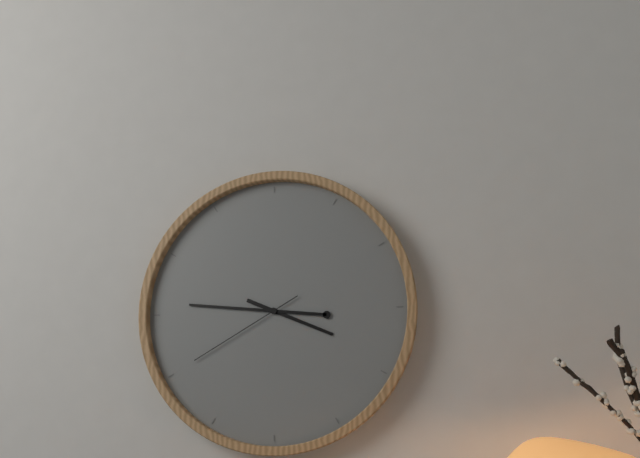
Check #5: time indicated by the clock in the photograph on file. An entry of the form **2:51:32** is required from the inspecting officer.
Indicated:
**3:46:40**
